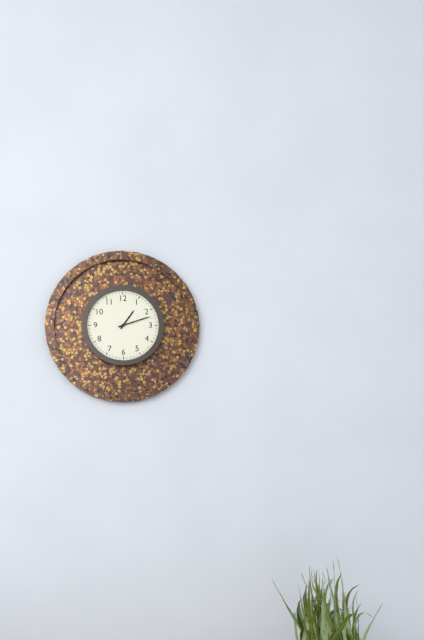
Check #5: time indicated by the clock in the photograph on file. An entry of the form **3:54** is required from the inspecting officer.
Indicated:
**1:12**
